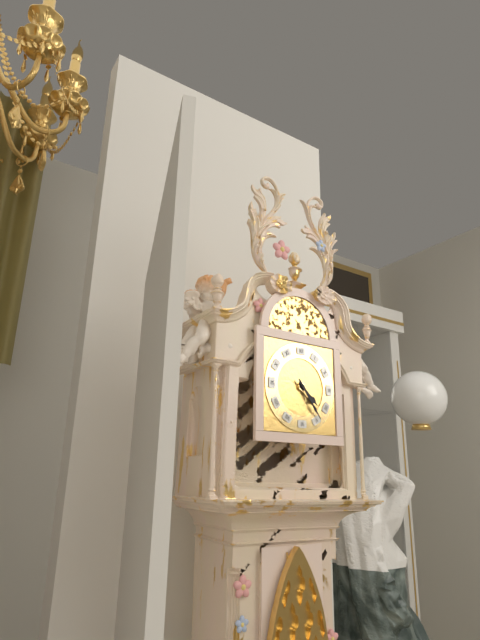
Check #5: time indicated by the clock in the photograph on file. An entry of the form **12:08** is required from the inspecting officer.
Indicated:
**4:24**
